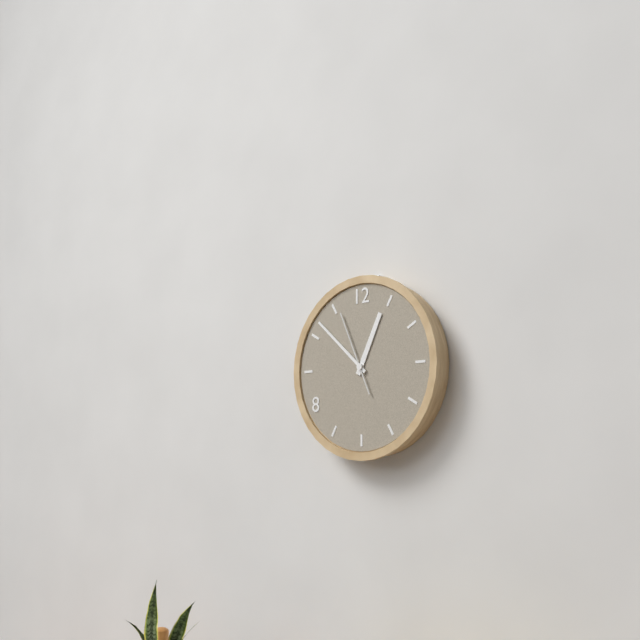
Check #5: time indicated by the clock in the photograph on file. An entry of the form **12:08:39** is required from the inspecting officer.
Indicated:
**12:52:56**
